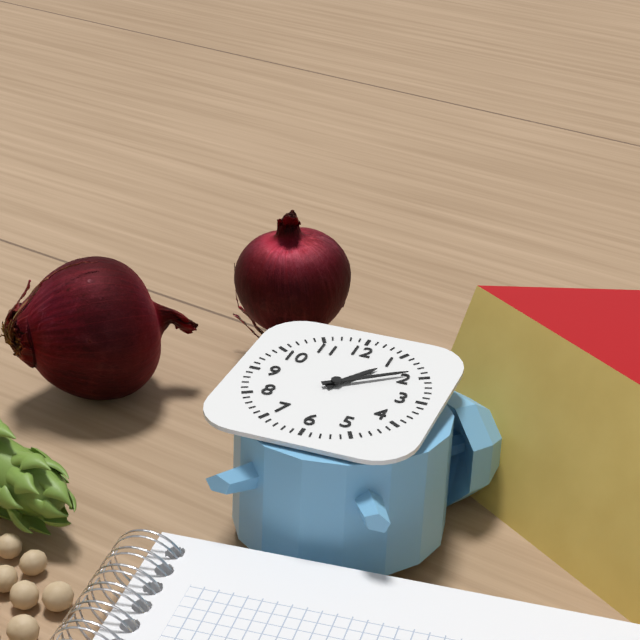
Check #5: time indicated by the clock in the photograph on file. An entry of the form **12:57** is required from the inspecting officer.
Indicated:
**1:09**
